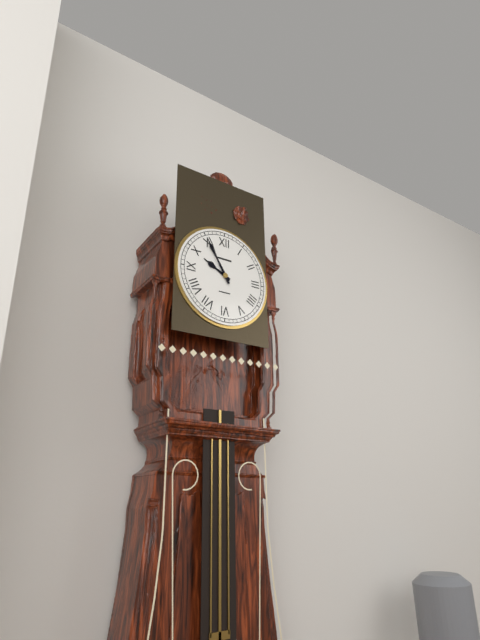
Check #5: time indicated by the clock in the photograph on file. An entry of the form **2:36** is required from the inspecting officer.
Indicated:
**9:55**
